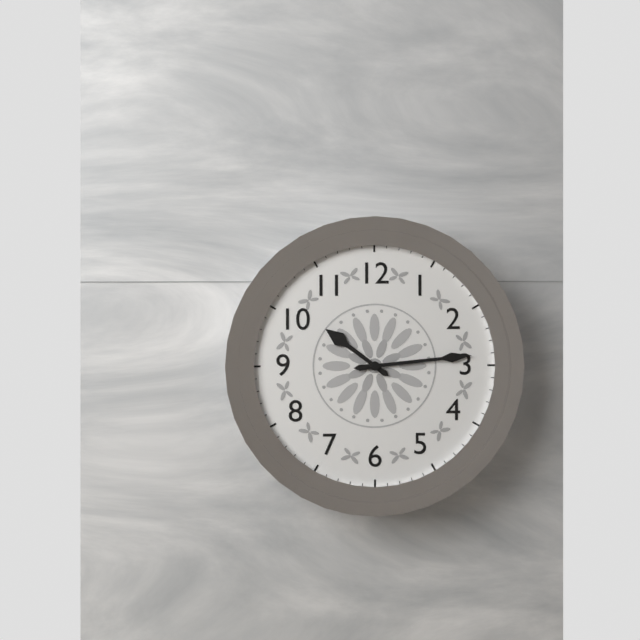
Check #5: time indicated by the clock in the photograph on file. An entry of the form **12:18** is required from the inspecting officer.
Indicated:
**10:14**
